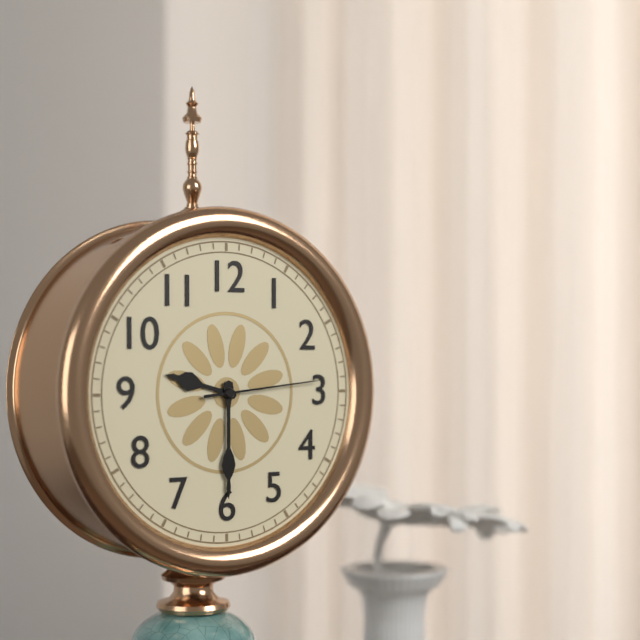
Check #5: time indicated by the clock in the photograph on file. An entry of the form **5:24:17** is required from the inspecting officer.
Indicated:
**9:30:14**
